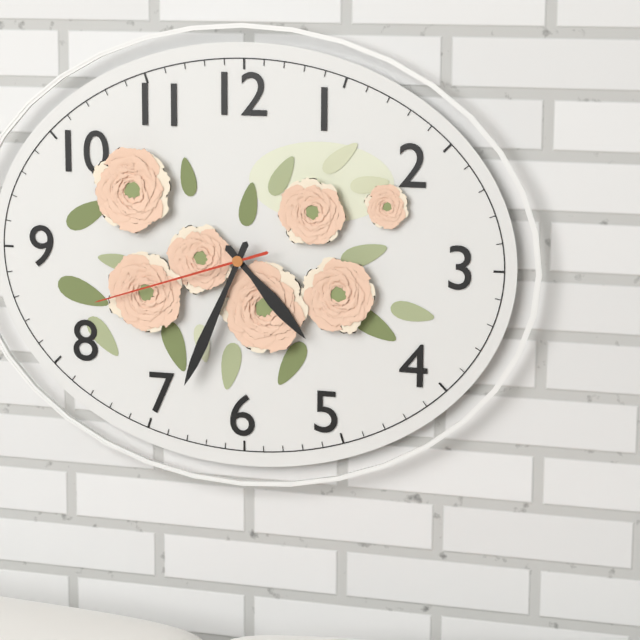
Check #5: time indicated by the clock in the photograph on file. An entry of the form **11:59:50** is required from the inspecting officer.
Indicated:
**4:34:42**
